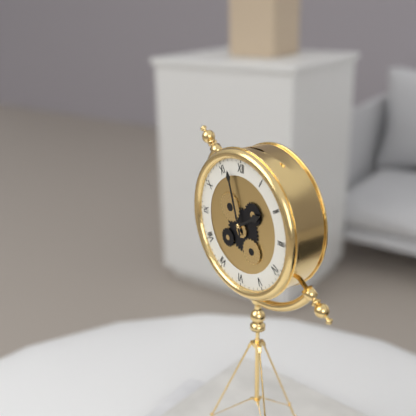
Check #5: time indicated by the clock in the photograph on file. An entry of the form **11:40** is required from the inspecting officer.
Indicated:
**1:57**
